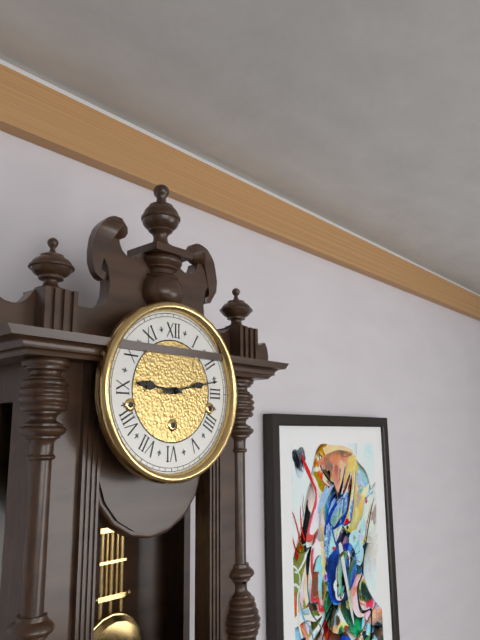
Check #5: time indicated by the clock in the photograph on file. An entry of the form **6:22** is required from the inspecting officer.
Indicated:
**9:13**
